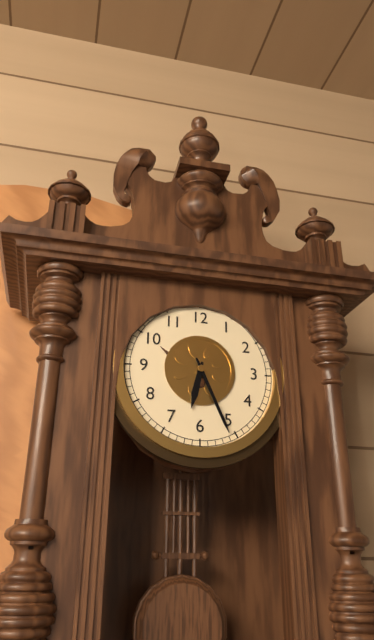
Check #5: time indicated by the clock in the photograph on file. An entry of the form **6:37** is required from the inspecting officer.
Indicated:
**6:26**
